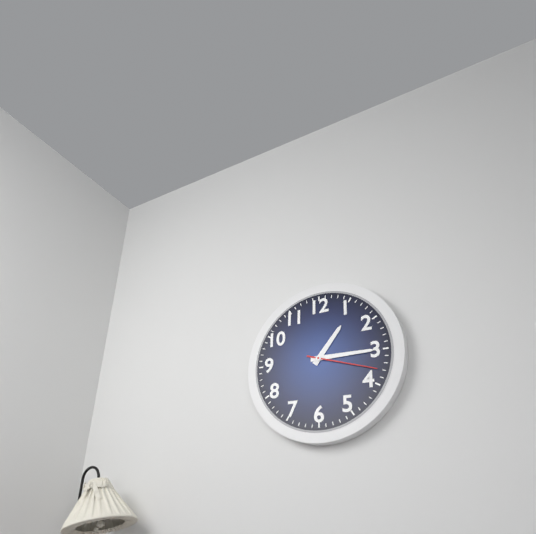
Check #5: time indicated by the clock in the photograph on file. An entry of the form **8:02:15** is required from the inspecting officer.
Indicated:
**1:15:18**
